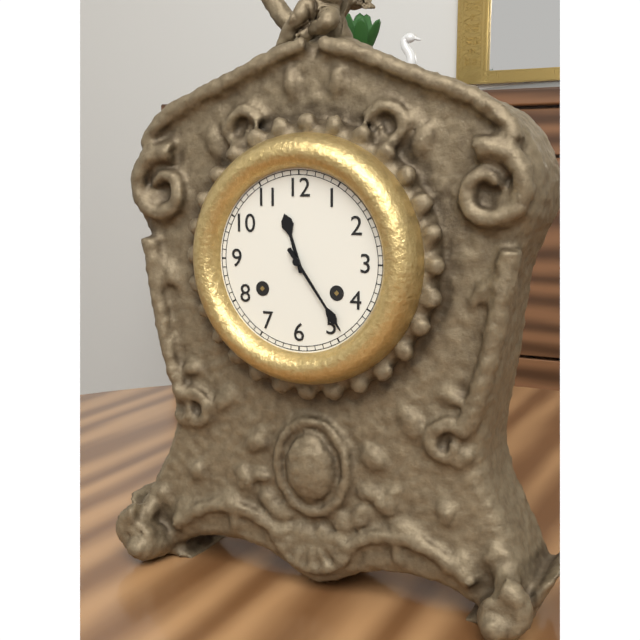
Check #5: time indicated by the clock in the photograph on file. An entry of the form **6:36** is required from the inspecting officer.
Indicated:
**11:24**
